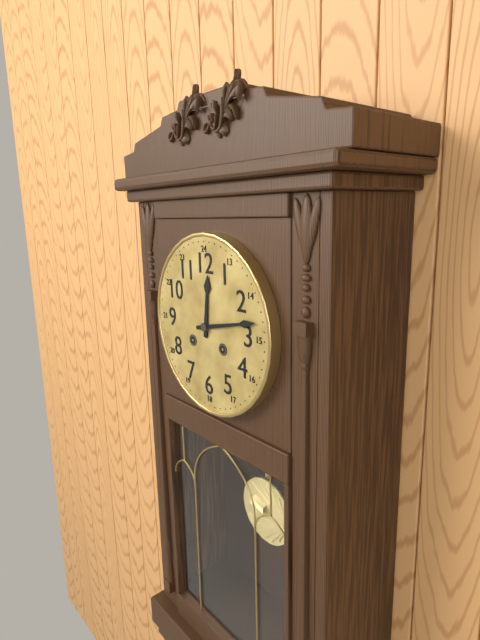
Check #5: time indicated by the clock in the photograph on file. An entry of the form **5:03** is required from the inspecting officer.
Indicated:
**12:13**
